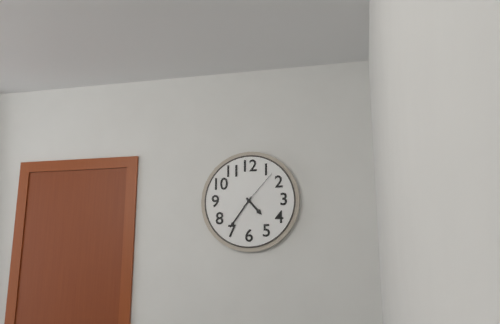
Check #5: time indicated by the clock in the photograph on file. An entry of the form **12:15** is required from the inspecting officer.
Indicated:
**4:36**
